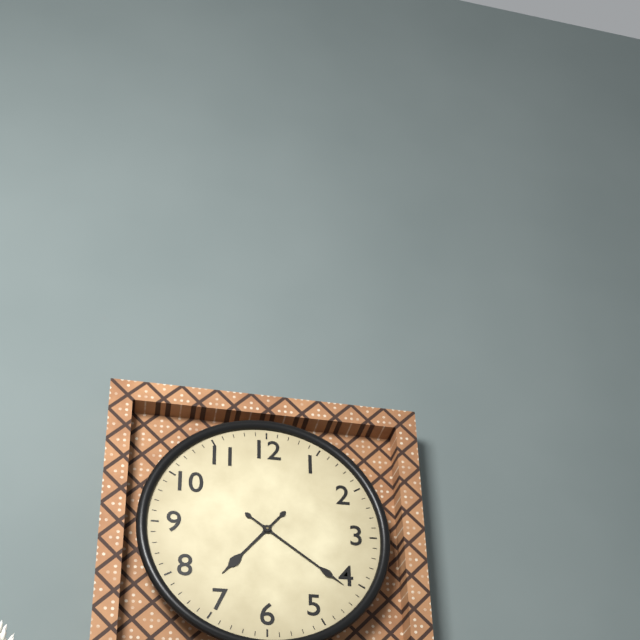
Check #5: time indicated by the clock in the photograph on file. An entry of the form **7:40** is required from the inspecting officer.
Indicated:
**7:21**
